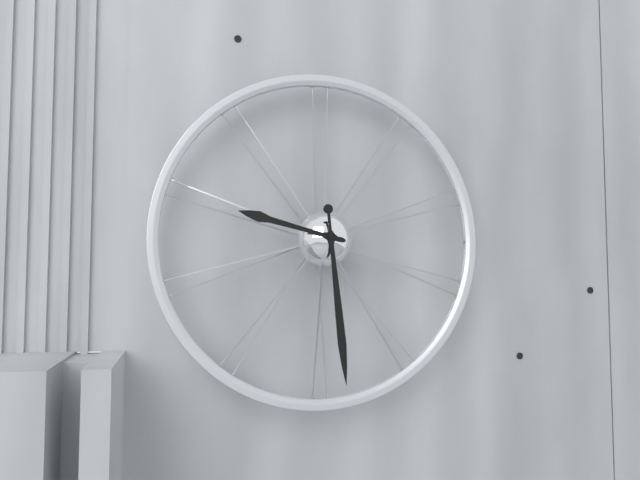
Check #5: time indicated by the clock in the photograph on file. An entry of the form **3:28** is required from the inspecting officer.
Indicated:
**9:29**
